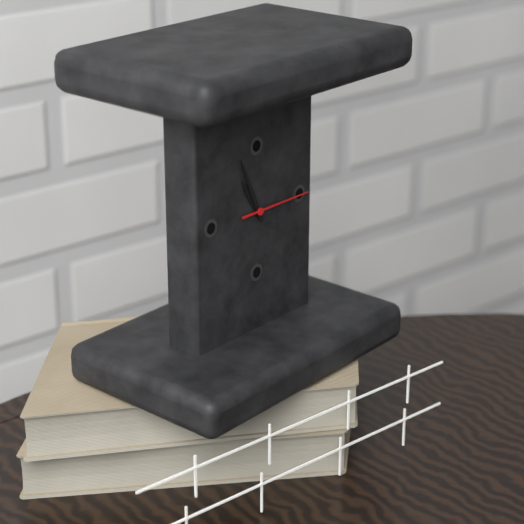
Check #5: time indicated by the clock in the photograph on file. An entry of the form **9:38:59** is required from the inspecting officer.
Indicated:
**10:56:15**
